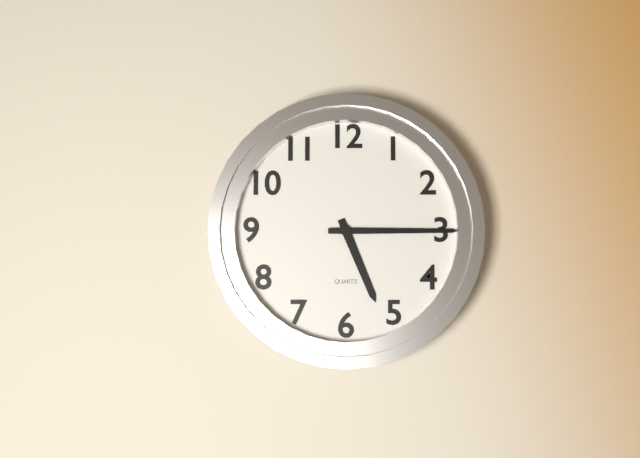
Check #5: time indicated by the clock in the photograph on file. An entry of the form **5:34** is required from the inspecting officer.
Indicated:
**5:15**
